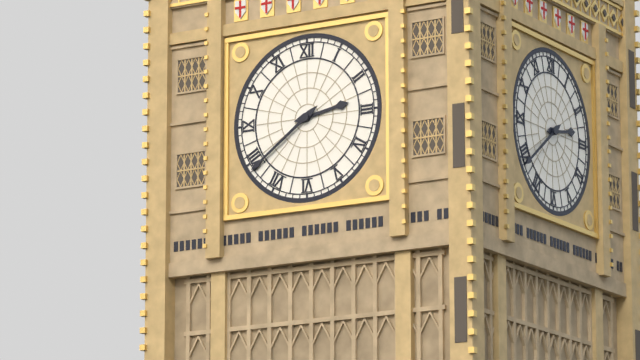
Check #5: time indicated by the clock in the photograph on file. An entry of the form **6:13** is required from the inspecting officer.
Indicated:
**2:39**
